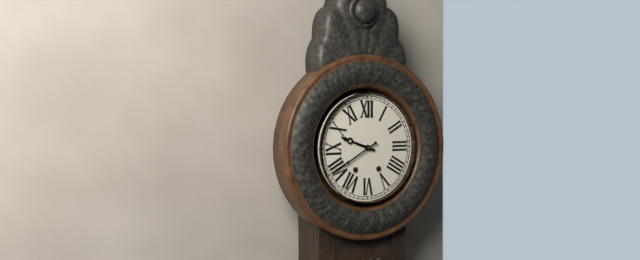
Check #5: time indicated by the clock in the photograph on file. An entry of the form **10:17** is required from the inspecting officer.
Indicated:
**9:40**
